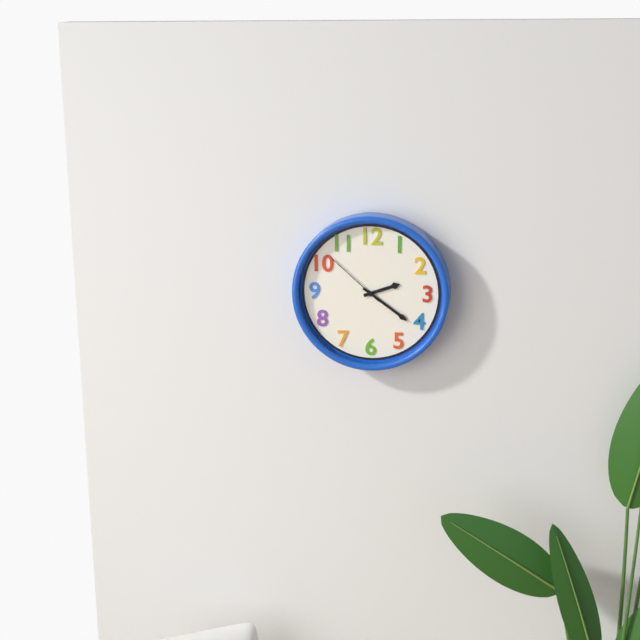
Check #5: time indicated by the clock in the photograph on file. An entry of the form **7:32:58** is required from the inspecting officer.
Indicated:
**2:21:52**
